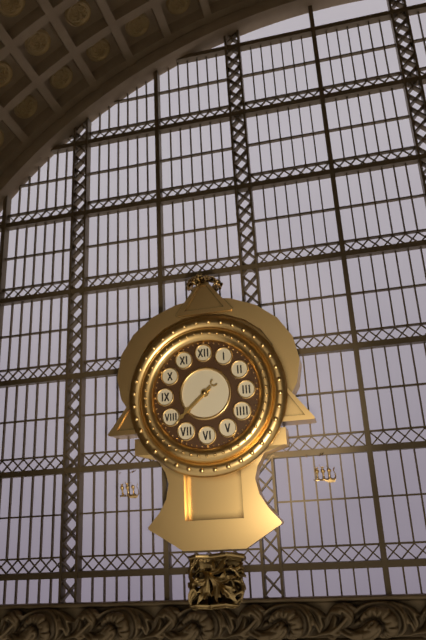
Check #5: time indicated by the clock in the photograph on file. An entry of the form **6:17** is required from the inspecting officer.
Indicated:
**7:38**
